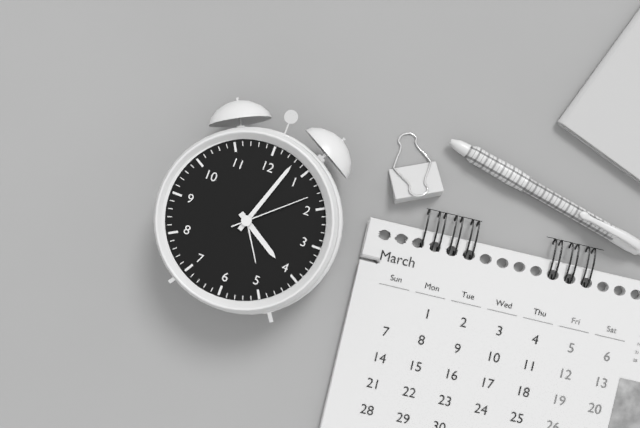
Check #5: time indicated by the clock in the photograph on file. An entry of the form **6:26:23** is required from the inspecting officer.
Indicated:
**4:03:08**
